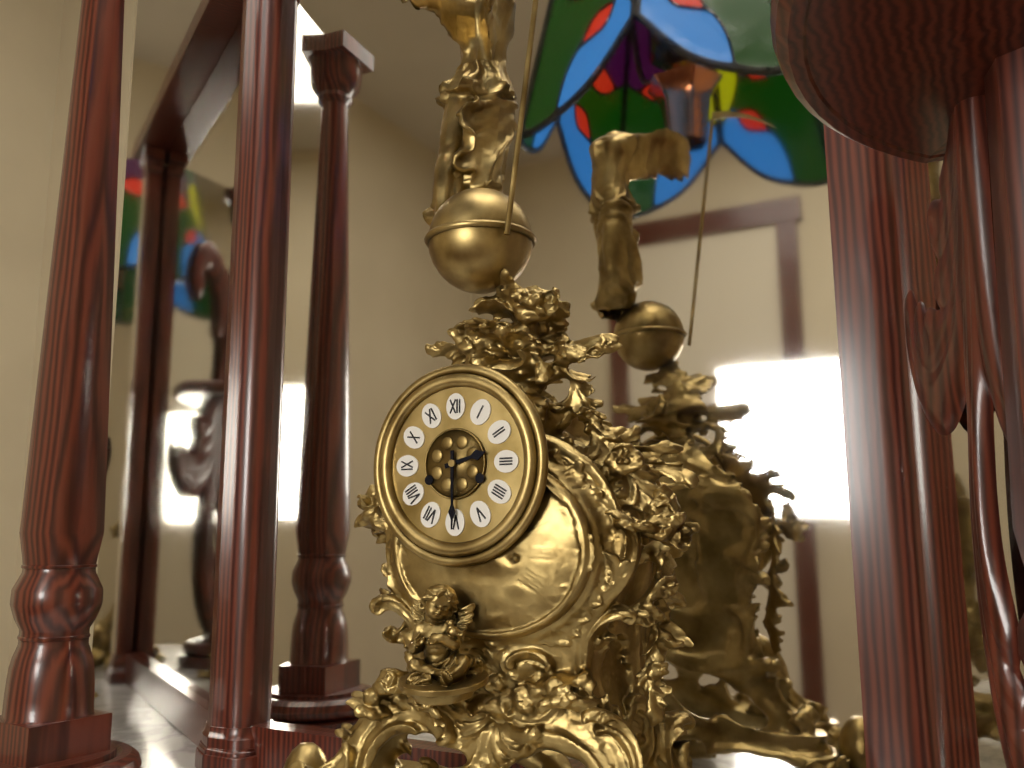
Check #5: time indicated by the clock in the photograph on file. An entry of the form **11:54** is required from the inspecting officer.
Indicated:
**2:30**
